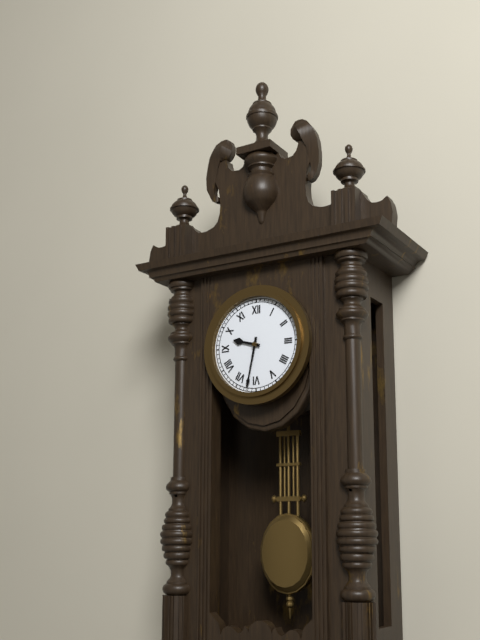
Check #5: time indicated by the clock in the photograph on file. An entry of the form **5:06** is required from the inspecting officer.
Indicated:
**9:32**
